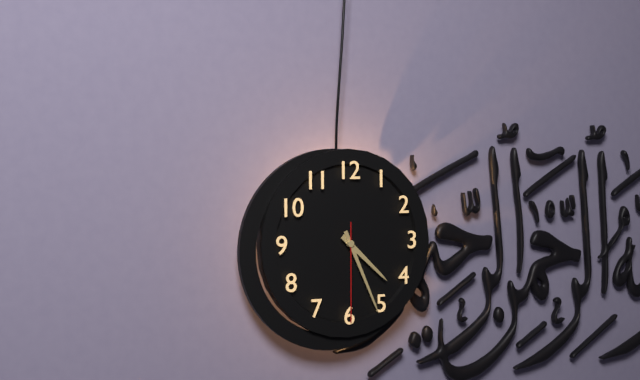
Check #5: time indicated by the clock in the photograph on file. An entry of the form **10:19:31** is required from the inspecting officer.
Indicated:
**4:26:30**
